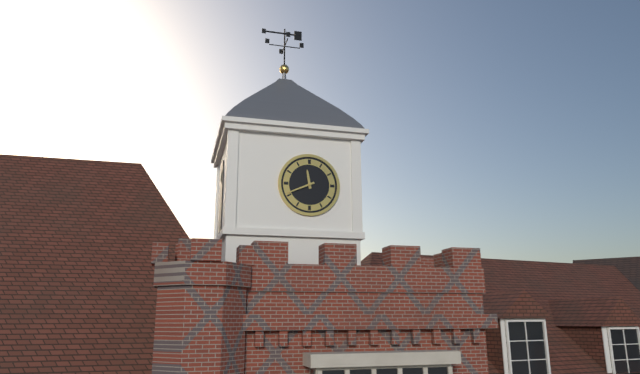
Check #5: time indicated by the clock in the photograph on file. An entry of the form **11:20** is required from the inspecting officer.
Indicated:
**11:41**
